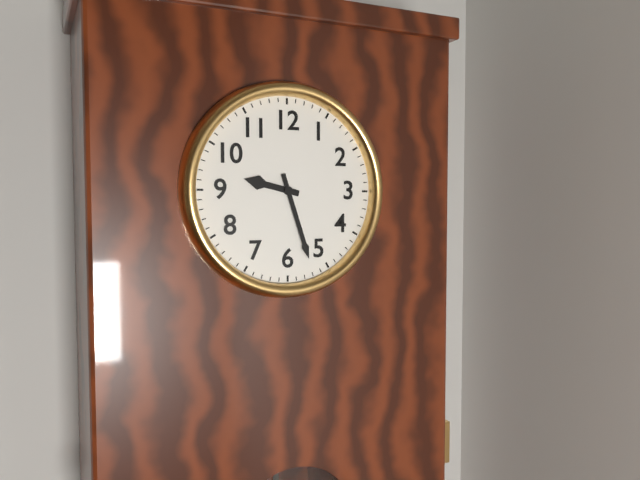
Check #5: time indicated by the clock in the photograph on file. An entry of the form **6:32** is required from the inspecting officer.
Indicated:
**9:27**
